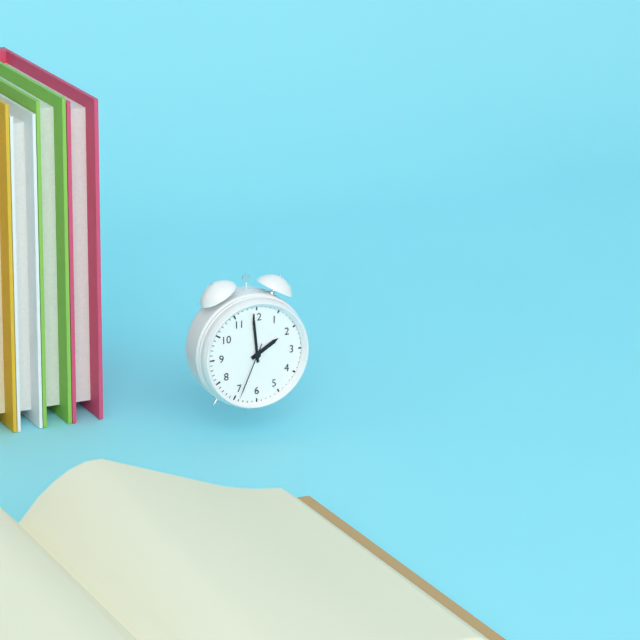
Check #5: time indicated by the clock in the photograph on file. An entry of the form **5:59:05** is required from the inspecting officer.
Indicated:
**1:59:34**
